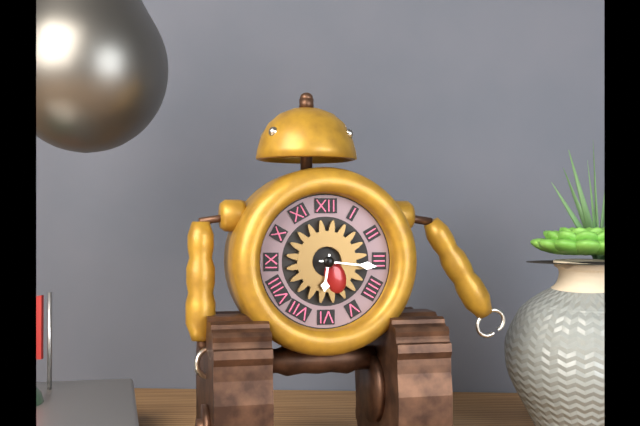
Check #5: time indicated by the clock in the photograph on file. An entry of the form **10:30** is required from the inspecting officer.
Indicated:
**6:16**
